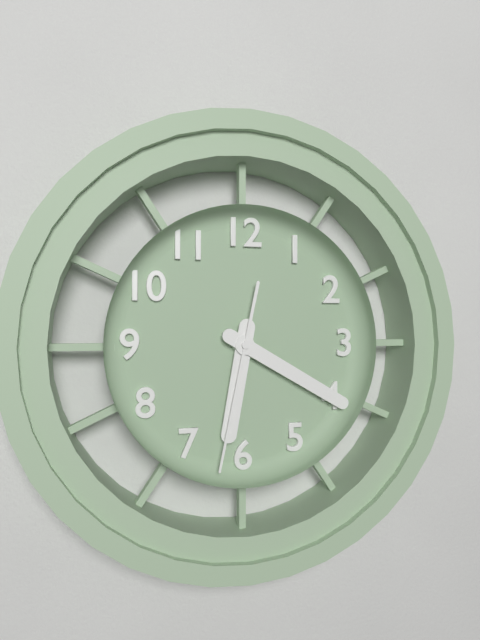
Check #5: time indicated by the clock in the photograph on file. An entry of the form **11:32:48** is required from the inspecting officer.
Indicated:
**6:20:32**
